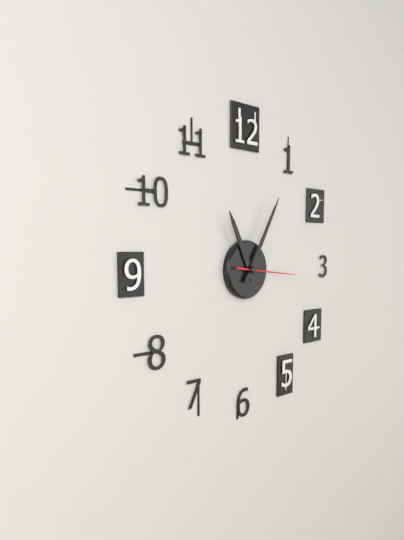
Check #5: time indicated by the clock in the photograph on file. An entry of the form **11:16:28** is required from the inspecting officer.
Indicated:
**11:05:16**
